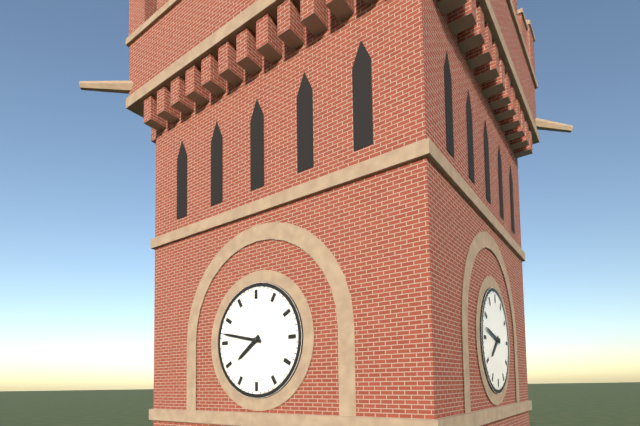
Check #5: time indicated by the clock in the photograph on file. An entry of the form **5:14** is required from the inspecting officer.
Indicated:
**7:47**
